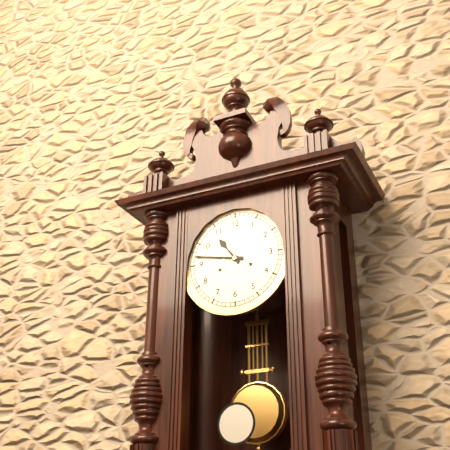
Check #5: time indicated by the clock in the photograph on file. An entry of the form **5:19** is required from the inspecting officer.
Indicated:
**10:47**
